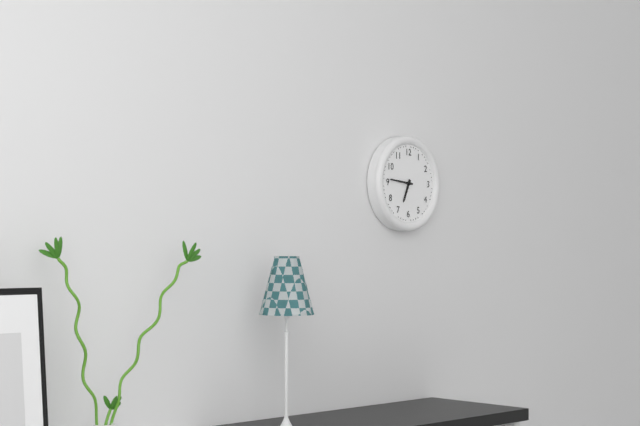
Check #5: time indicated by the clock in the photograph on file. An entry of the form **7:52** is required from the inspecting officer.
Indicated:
**6:46**
